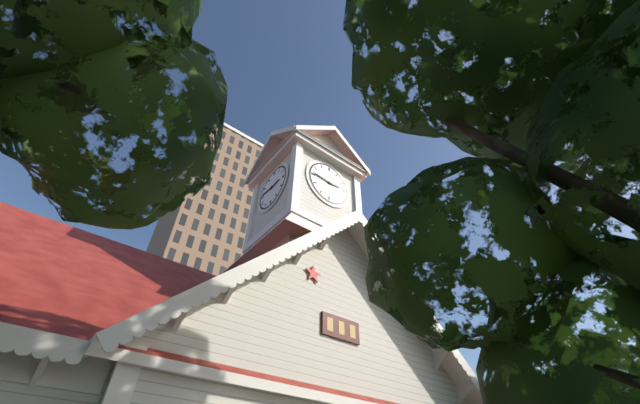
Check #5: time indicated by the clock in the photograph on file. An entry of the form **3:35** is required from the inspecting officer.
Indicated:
**2:46**
